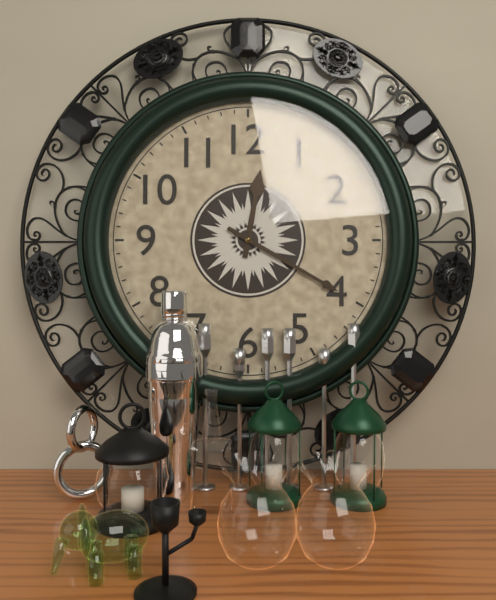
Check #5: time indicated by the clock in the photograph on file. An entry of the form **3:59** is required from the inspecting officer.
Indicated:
**12:20**
